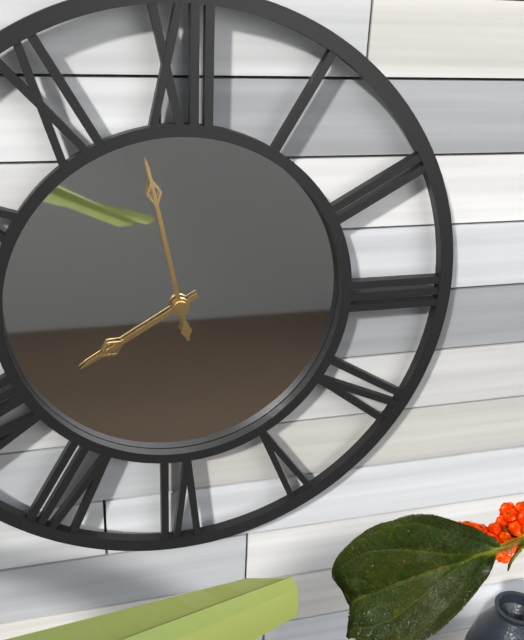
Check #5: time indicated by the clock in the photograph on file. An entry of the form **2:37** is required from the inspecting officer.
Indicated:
**7:58**
